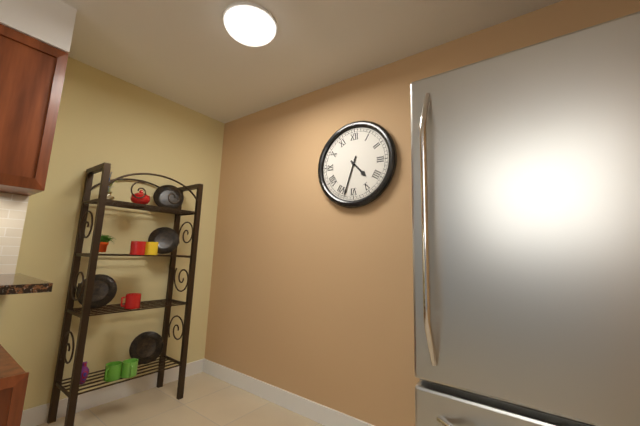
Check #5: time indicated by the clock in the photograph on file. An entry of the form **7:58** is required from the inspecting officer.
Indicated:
**4:33**
